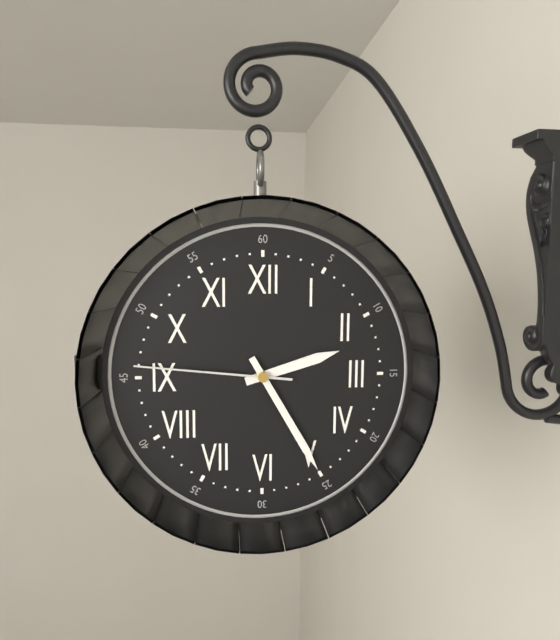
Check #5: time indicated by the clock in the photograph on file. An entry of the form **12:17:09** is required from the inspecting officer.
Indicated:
**2:25:46**
